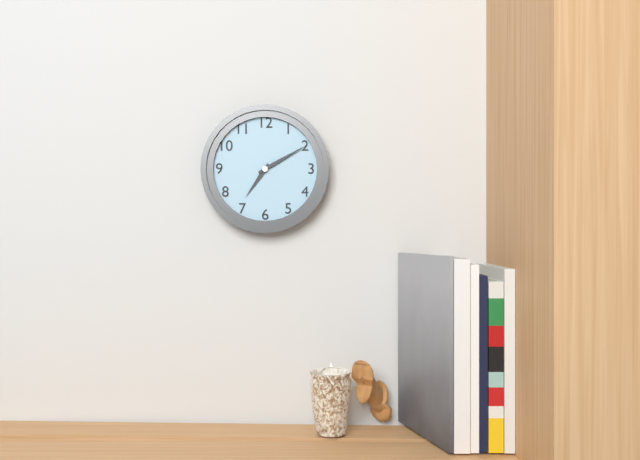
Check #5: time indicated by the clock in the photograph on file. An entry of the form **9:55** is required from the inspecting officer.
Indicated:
**7:10**
